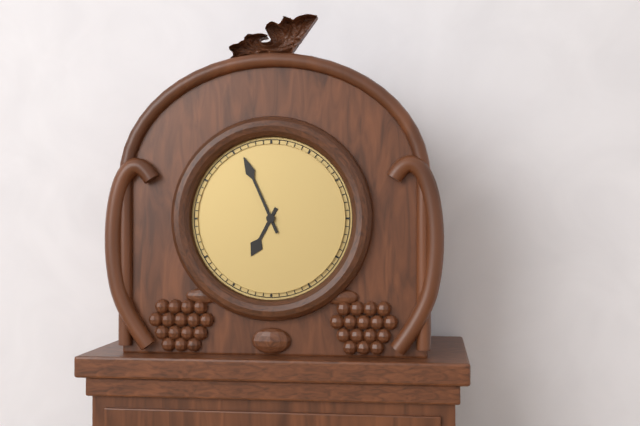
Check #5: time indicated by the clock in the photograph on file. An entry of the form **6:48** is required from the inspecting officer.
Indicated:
**6:56**
